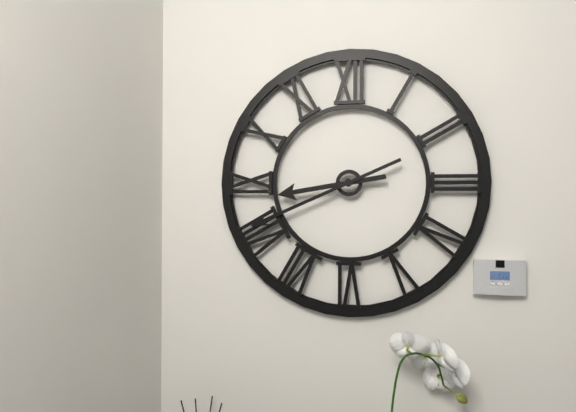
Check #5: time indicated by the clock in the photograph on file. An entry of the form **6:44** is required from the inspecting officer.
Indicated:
**8:41**
